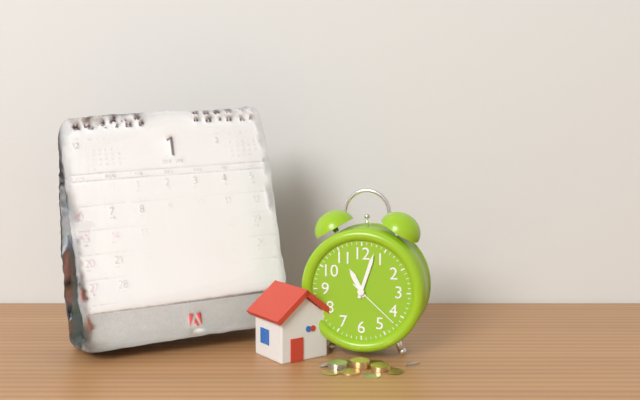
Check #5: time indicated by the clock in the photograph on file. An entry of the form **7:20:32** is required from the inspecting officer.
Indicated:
**11:03:22**
